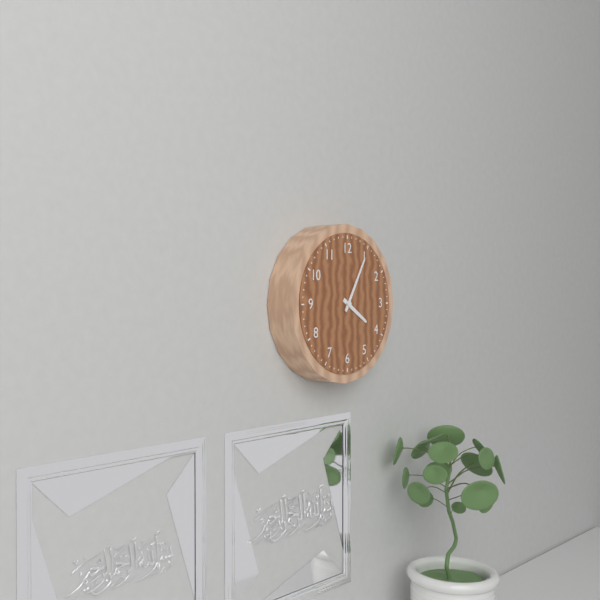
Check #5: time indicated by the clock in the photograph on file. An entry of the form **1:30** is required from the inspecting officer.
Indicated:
**4:05**
